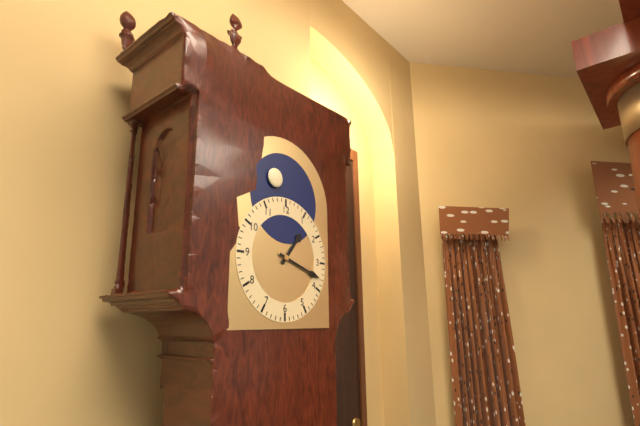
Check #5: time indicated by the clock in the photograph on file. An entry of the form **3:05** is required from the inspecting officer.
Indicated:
**1:18**
